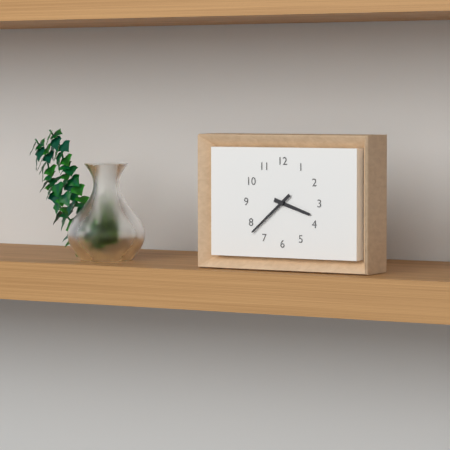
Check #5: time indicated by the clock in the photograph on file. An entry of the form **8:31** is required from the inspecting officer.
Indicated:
**3:38**
